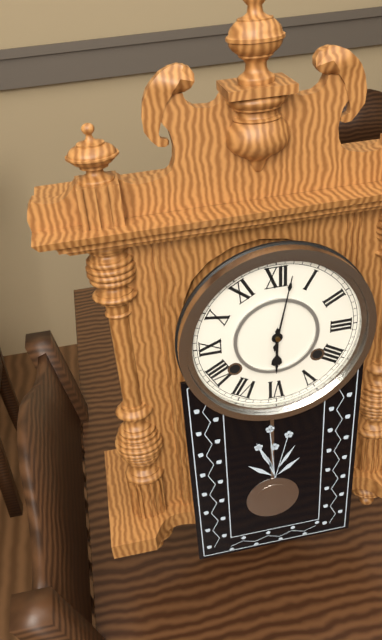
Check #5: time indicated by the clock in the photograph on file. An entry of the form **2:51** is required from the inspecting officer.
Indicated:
**6:02**
